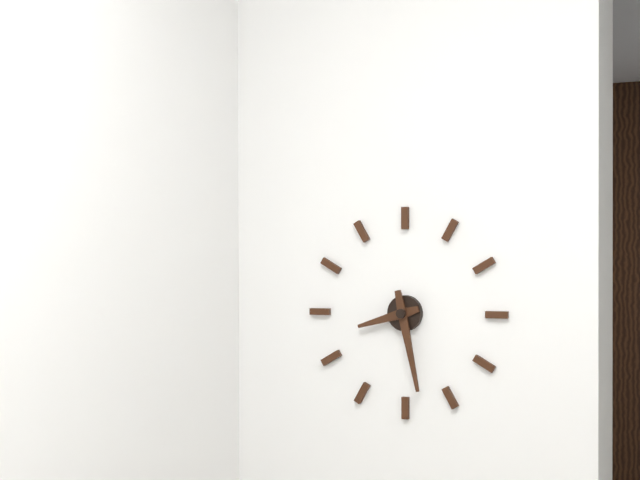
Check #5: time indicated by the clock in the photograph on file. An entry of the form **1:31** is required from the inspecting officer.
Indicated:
**8:28**
